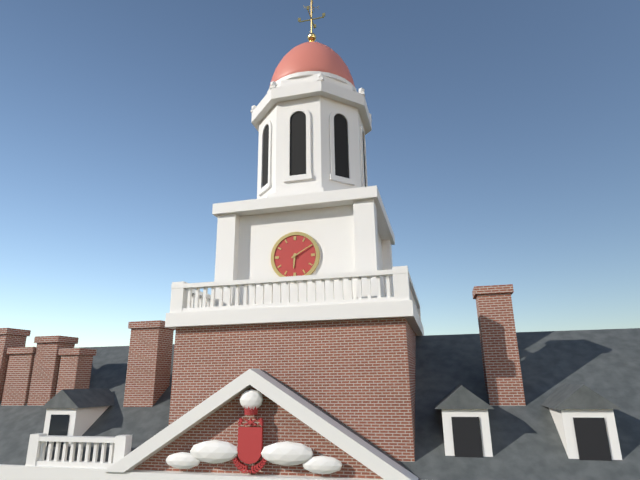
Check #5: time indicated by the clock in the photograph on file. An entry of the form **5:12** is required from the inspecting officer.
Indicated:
**6:10**
